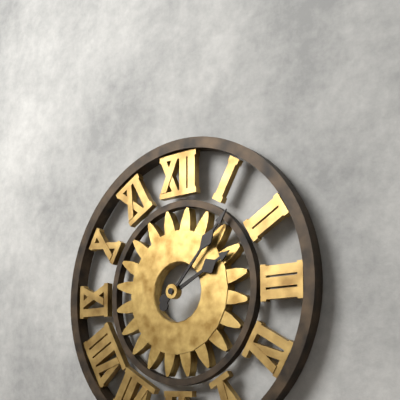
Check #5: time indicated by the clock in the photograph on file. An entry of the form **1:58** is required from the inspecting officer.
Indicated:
**2:07**
